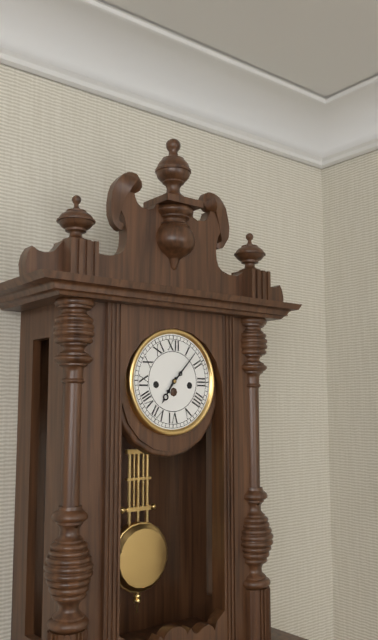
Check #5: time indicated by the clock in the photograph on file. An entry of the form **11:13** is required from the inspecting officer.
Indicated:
**7:07**
